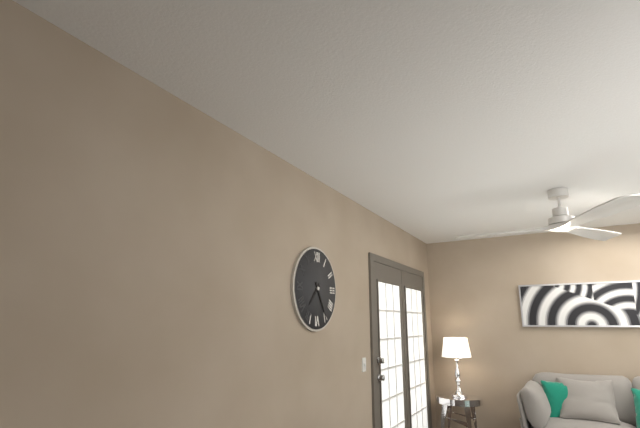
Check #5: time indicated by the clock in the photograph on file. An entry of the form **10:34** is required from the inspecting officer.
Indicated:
**7:25**
